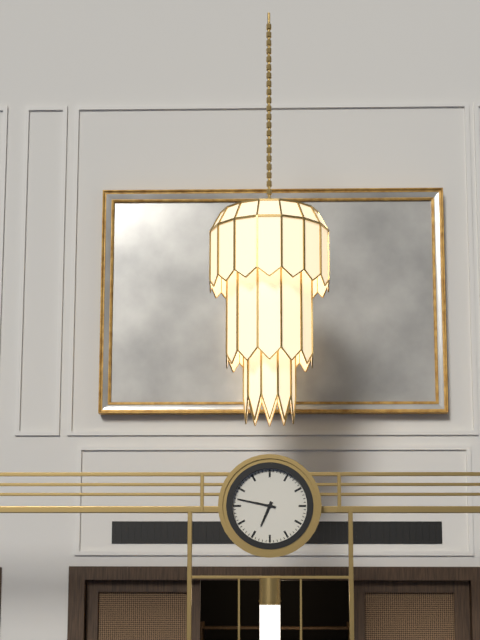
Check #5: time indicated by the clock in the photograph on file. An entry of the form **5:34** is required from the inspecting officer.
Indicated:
**6:47**
